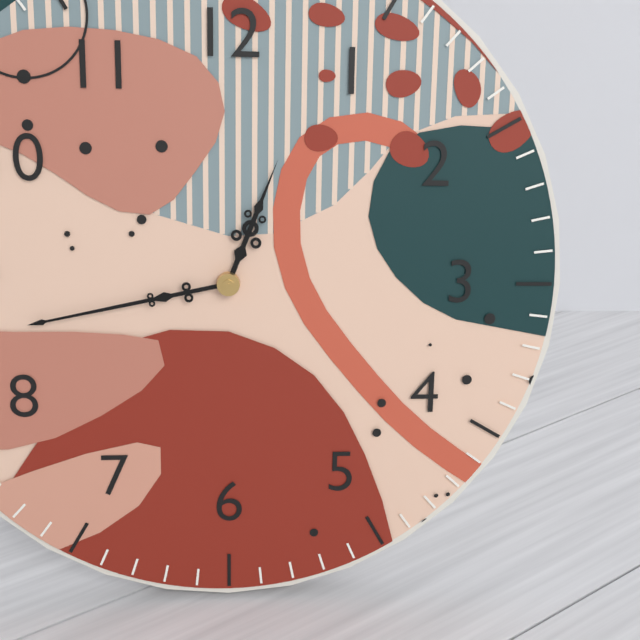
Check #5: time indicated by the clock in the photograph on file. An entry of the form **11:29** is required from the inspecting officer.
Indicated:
**12:43**
